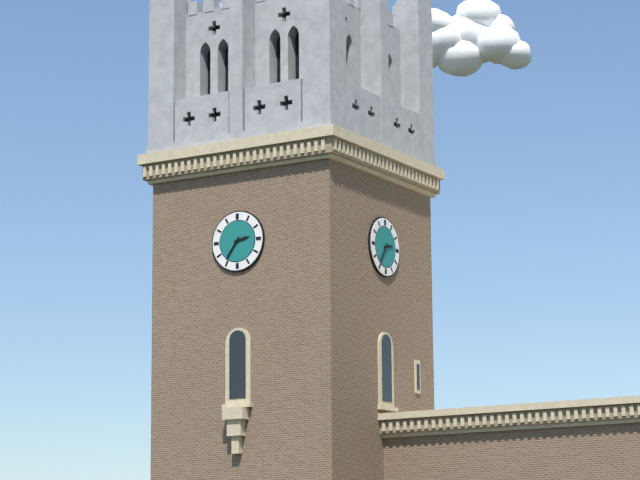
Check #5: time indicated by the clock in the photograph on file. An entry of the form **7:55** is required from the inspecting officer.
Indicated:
**2:36**
